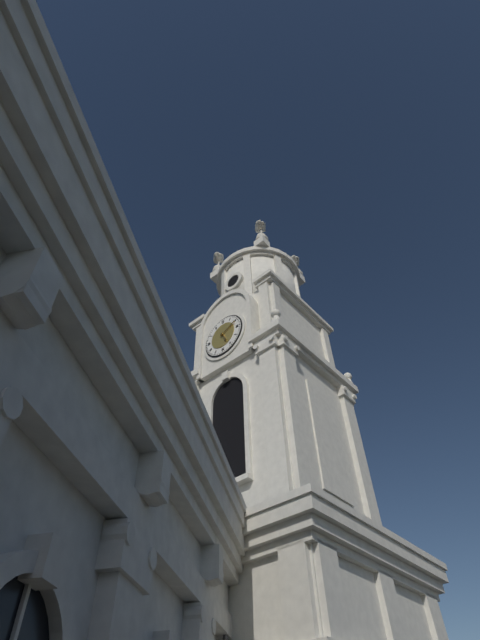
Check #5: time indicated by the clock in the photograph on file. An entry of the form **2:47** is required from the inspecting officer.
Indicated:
**5:11**
